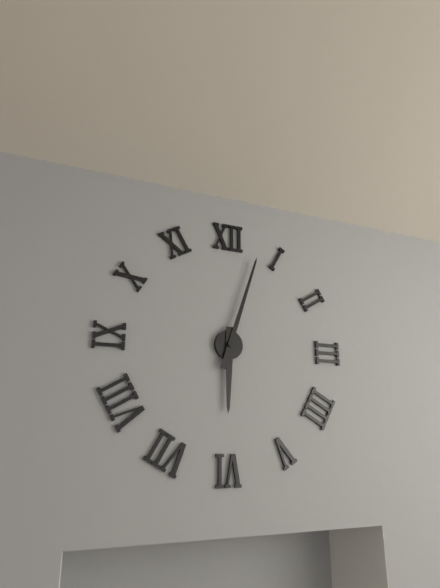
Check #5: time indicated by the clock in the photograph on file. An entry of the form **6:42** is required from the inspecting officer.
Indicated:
**6:03**
